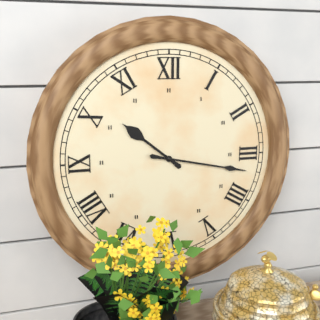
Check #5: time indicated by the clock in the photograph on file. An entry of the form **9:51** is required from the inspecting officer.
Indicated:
**10:17**
